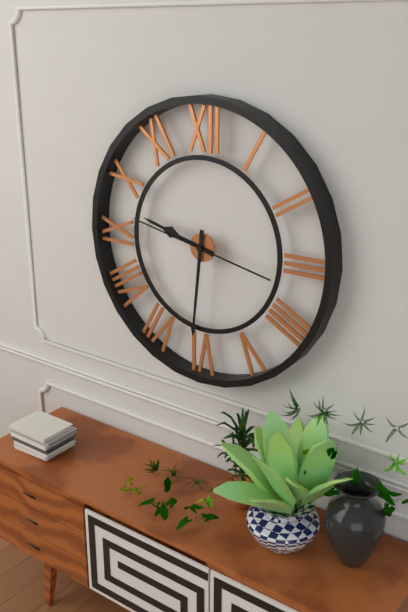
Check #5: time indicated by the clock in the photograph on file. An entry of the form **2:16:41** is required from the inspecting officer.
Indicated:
**9:31:47**
